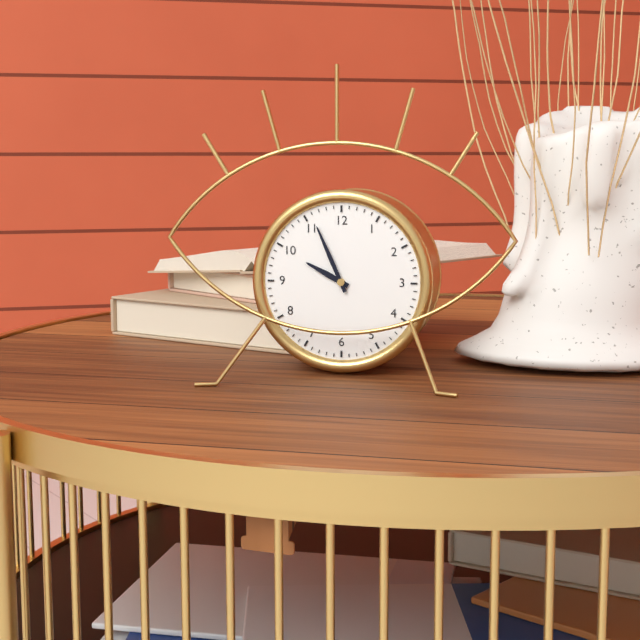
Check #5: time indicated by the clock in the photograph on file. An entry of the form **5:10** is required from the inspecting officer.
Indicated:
**9:56**
